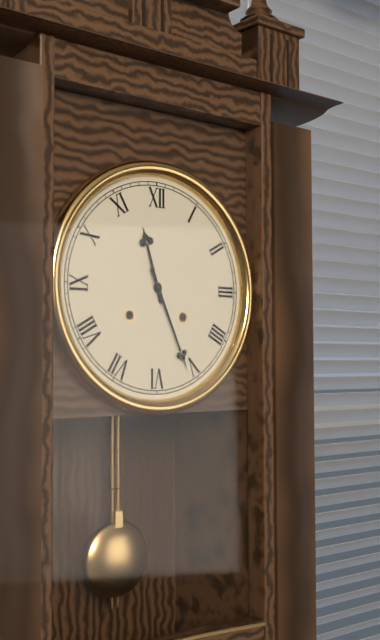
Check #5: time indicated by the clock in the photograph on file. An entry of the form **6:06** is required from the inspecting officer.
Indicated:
**11:26**
